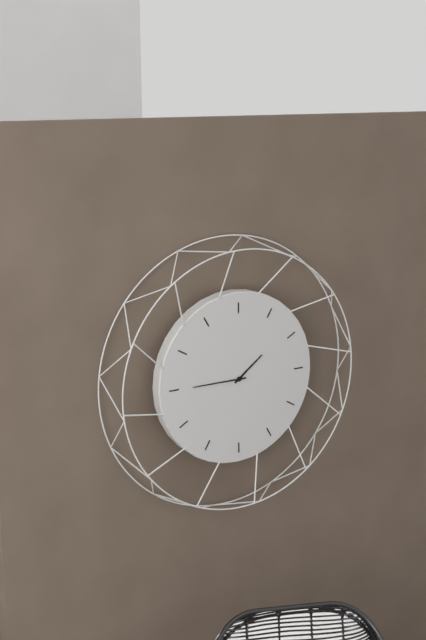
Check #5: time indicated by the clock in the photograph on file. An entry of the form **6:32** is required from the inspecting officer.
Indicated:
**1:45**
